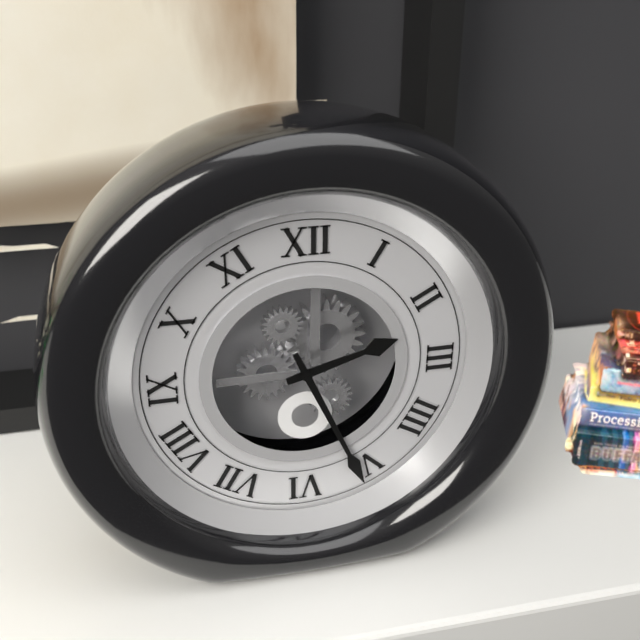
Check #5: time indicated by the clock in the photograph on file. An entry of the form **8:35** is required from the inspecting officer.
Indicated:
**2:26**
